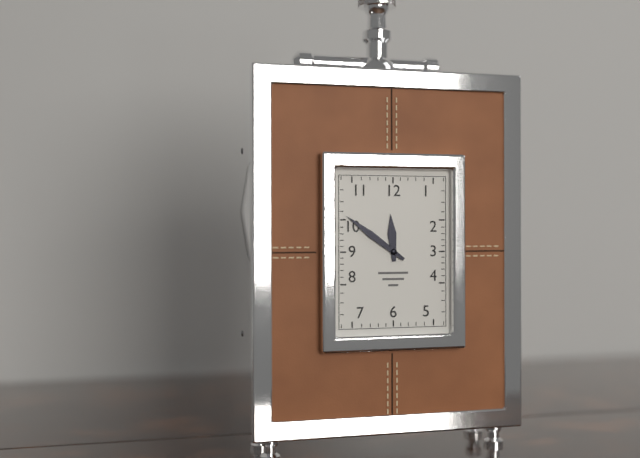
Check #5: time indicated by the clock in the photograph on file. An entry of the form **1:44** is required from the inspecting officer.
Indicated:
**11:51**
